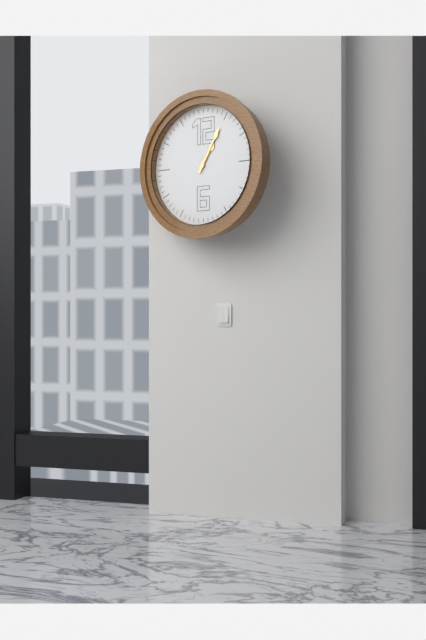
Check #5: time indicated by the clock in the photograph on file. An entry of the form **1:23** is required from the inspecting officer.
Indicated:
**1:05**
